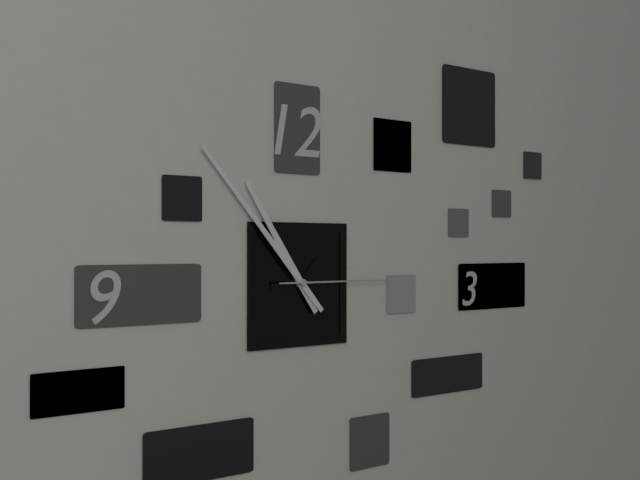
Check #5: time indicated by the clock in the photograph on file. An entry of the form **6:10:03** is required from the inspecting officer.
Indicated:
**10:53:15**
